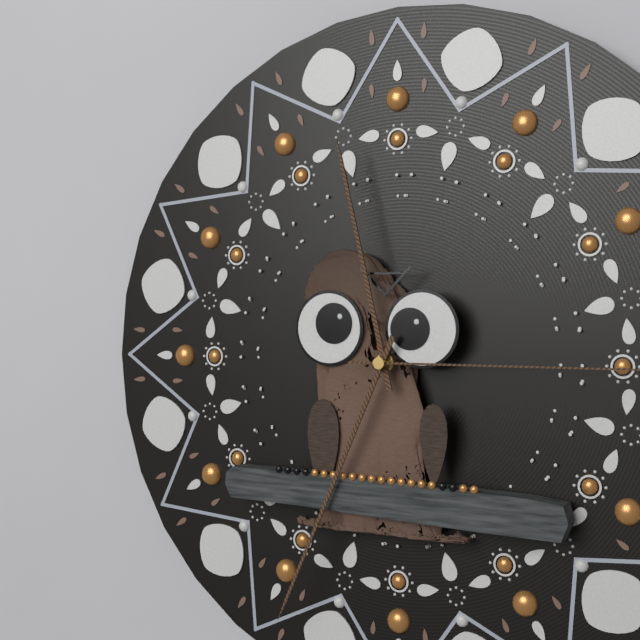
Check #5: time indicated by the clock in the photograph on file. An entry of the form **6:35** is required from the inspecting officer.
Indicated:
**11:34**
